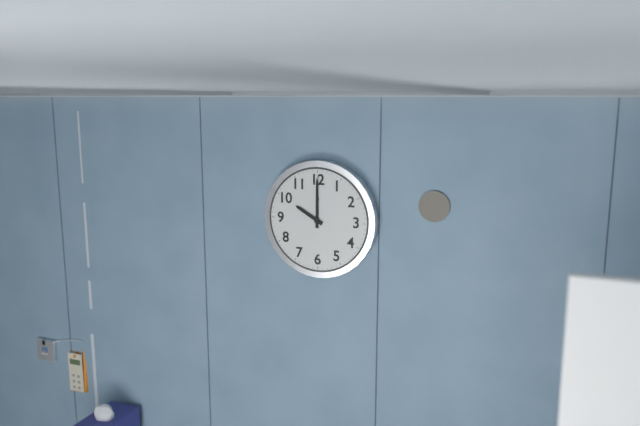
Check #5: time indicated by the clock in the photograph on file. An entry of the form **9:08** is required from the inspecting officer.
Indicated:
**10:00**
